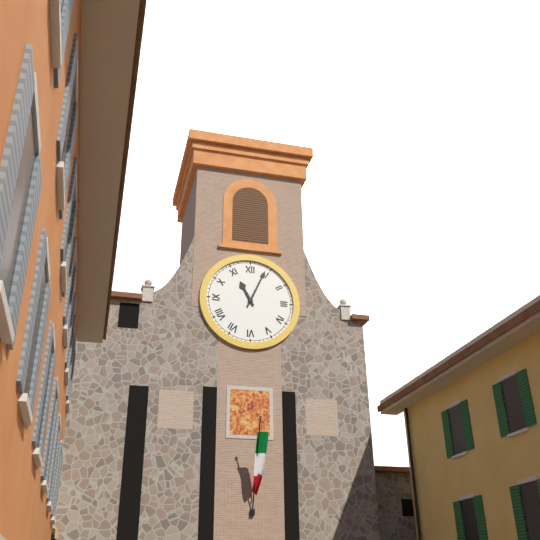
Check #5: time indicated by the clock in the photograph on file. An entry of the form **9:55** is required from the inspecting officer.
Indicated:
**11:04**
